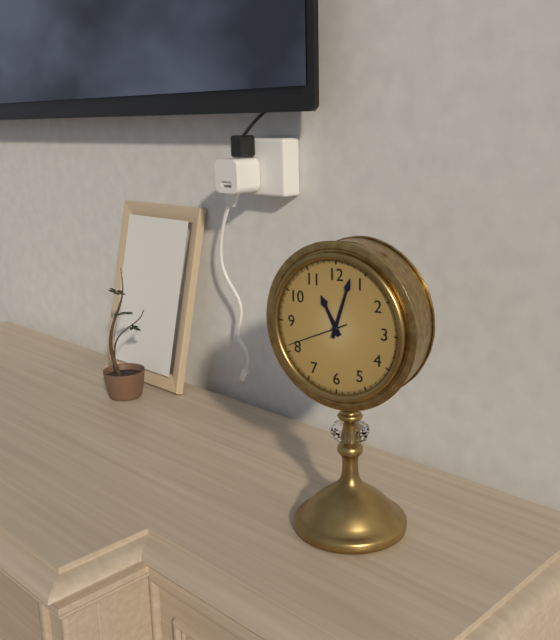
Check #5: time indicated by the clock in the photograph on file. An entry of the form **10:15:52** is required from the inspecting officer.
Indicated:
**11:03:41**
